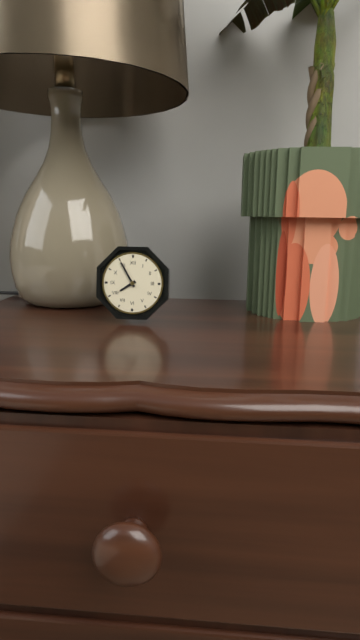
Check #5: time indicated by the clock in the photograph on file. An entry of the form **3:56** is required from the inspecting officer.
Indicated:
**7:55**
